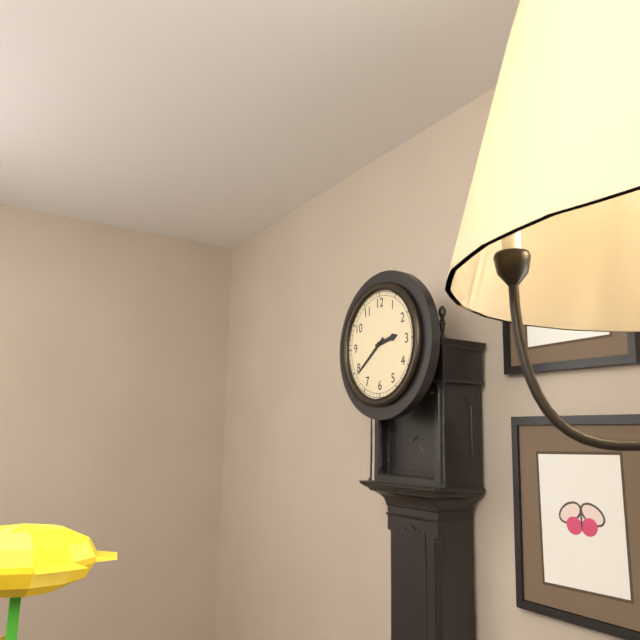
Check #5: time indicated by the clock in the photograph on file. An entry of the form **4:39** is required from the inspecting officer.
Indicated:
**2:39**
